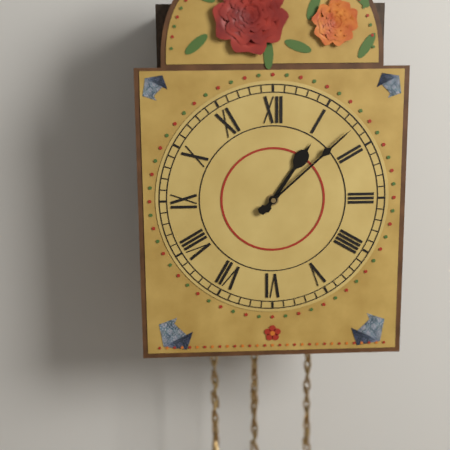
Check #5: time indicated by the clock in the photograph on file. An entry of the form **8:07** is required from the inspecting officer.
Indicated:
**1:08**
